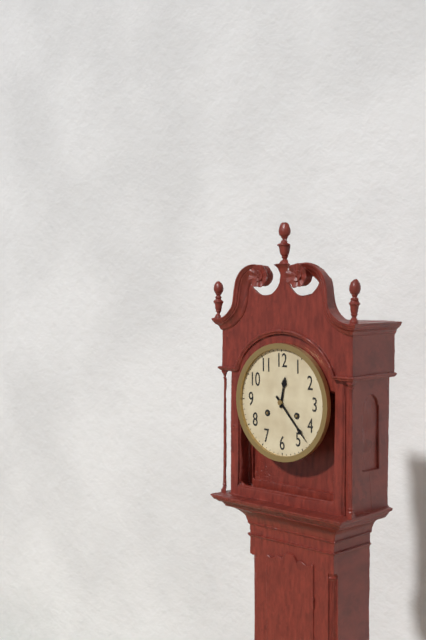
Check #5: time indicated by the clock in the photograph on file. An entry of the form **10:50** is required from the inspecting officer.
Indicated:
**12:23**
